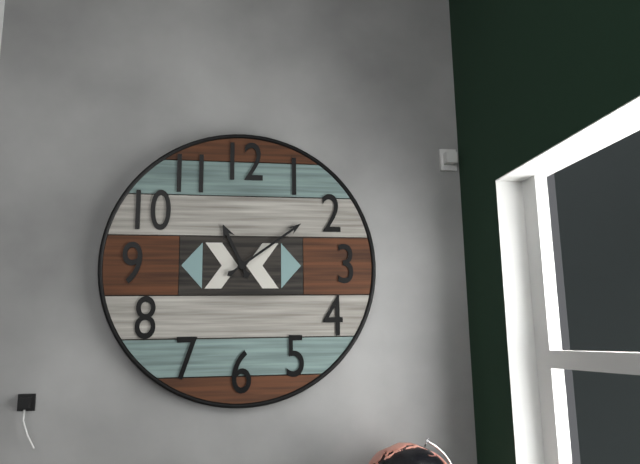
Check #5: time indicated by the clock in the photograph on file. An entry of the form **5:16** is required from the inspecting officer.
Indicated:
**11:09**
